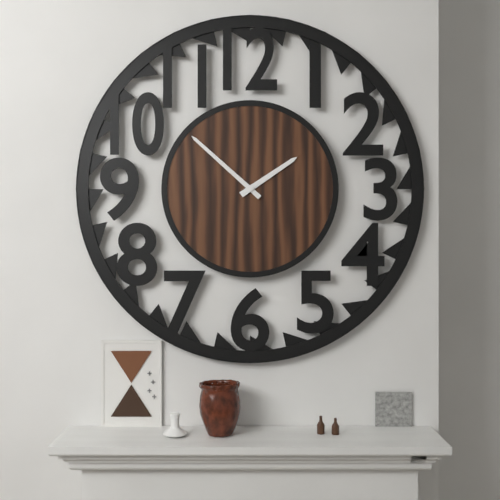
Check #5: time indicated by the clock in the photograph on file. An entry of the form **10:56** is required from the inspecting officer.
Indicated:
**1:52**
